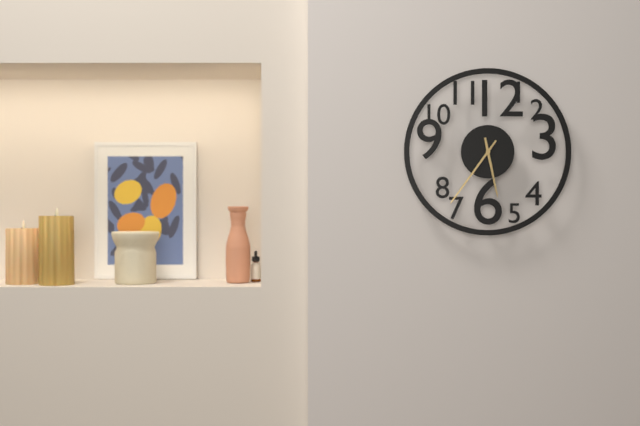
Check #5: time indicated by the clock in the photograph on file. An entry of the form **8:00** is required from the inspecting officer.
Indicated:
**5:36**
